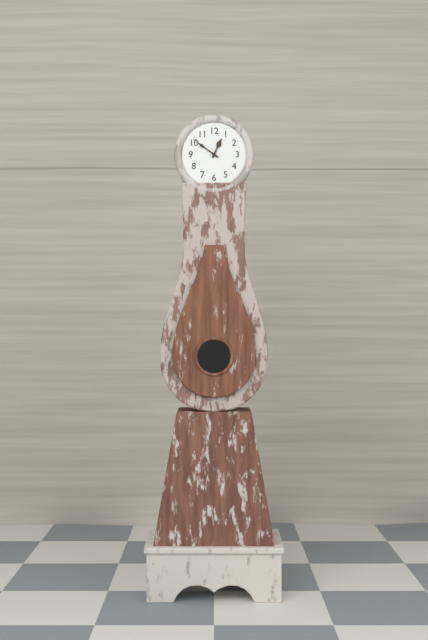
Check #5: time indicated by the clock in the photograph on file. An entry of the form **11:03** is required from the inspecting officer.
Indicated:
**12:51**
